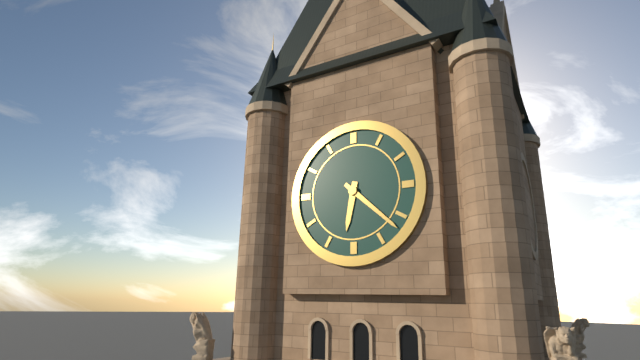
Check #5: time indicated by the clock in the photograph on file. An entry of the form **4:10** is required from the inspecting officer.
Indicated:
**6:22**
